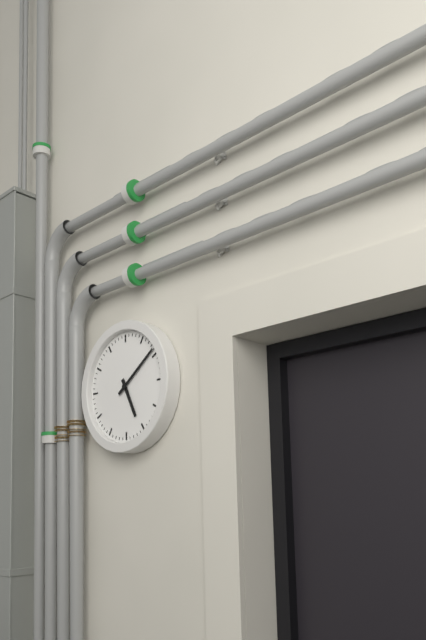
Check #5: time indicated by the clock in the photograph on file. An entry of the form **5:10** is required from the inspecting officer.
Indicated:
**5:09**
